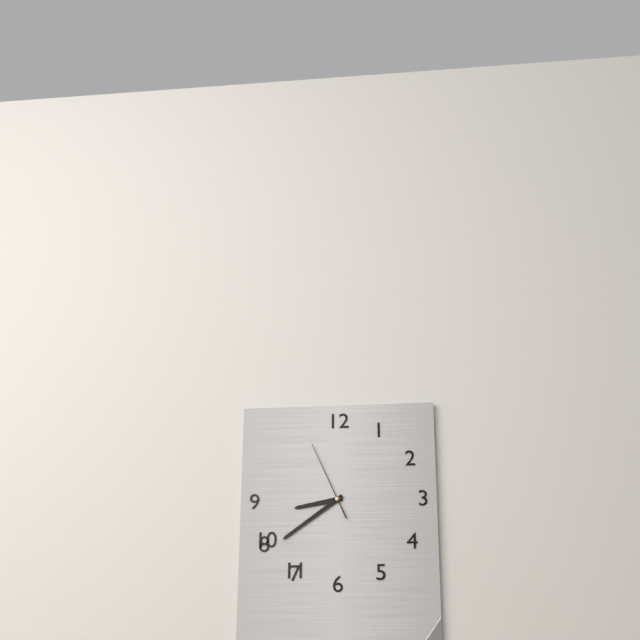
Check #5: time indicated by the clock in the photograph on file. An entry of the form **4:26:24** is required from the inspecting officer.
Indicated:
**8:39:56**
